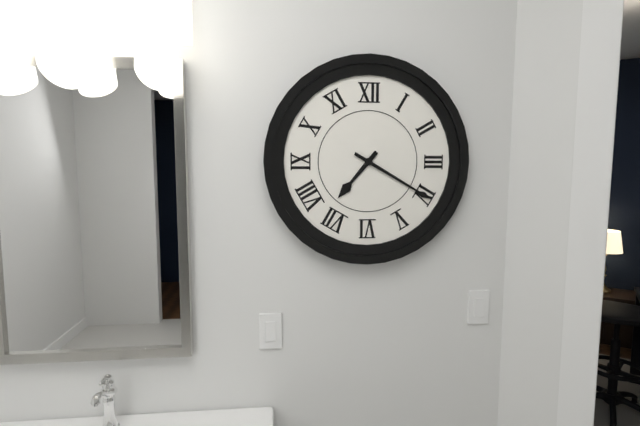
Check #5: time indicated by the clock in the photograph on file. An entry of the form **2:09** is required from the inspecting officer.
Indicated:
**7:20**
